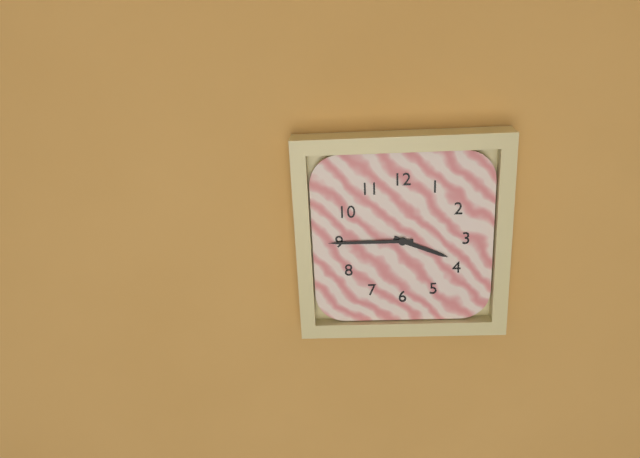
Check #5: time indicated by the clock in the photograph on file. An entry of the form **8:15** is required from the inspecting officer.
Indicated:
**3:45**
